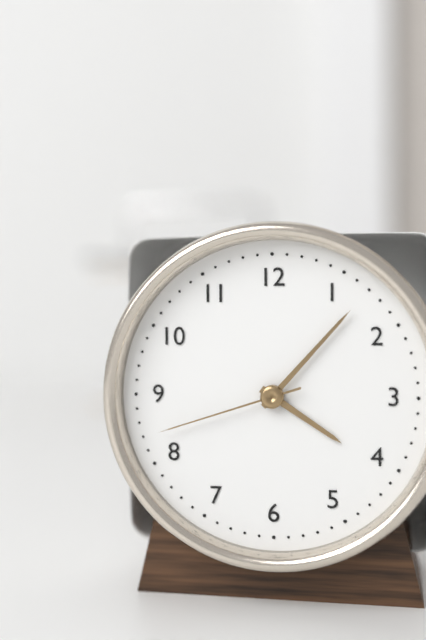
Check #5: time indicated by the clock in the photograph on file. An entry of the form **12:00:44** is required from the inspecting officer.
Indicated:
**4:07:42**
